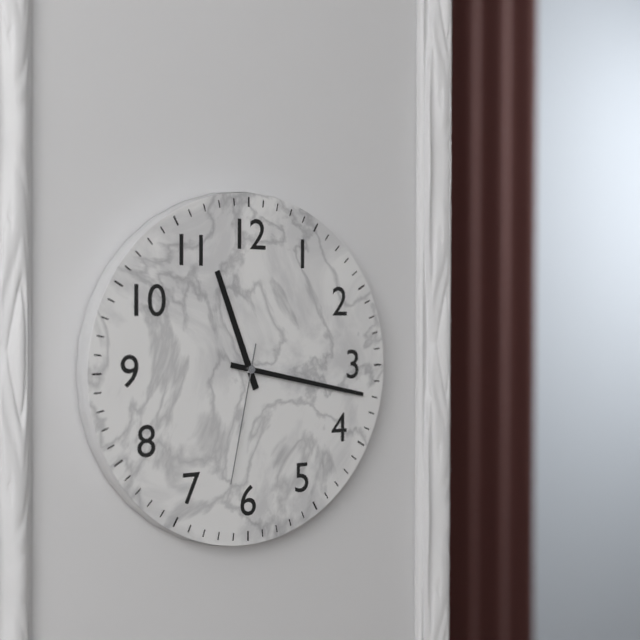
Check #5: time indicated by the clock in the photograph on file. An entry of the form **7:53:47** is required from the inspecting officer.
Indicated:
**11:17:32**
